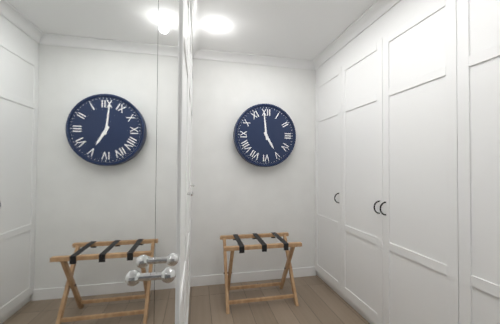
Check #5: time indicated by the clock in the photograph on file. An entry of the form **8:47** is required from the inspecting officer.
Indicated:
**4:59**
